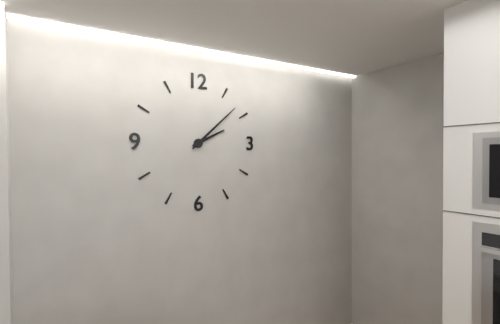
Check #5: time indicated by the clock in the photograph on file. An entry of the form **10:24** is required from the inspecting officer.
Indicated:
**2:08**
